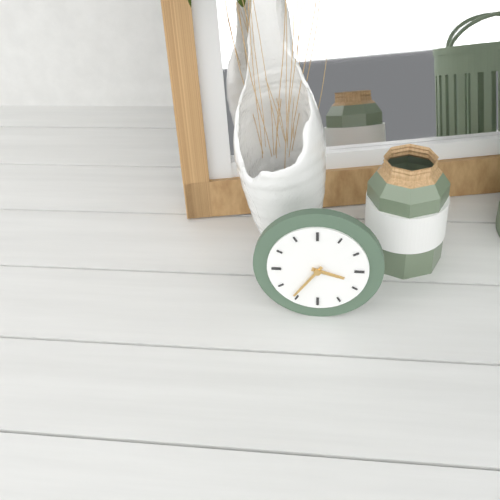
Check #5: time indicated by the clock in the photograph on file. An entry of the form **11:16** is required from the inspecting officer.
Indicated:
**3:36**
